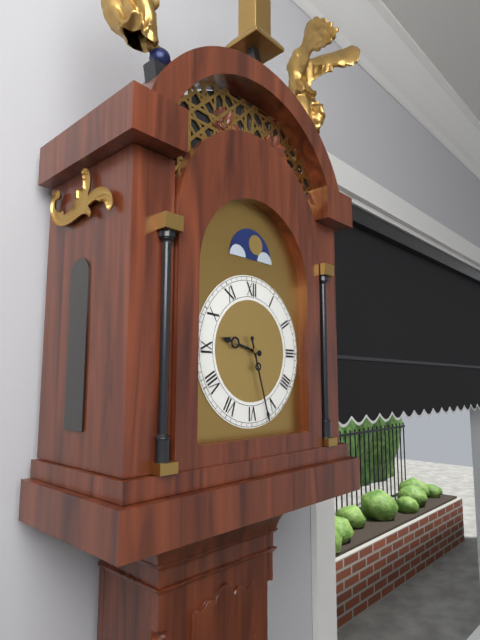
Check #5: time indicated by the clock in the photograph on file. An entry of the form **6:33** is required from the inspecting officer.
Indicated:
**9:27**
